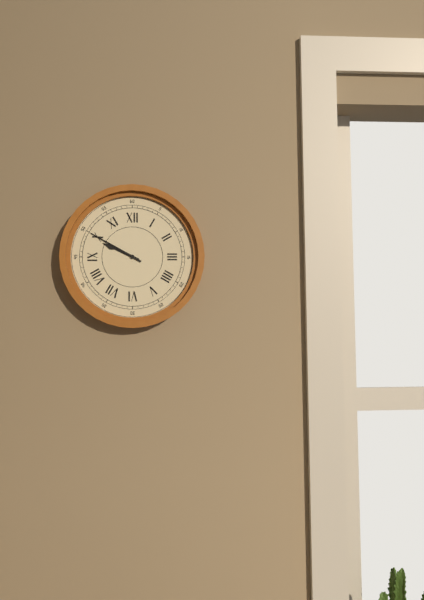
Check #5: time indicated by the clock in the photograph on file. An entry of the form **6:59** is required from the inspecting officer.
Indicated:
**9:50**
